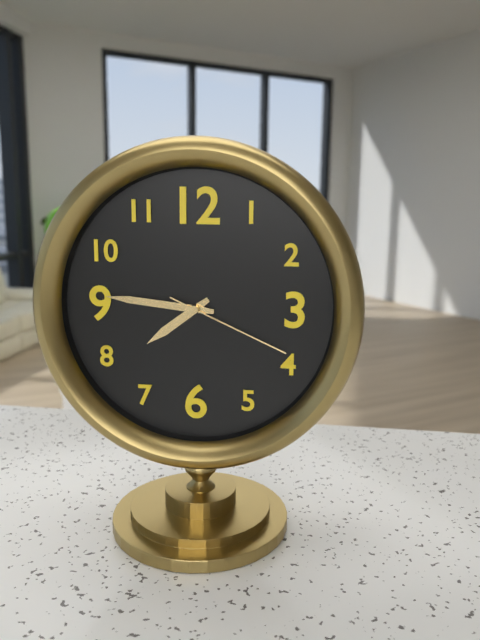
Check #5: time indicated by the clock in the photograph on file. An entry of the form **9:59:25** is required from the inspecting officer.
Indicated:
**7:46:19**
